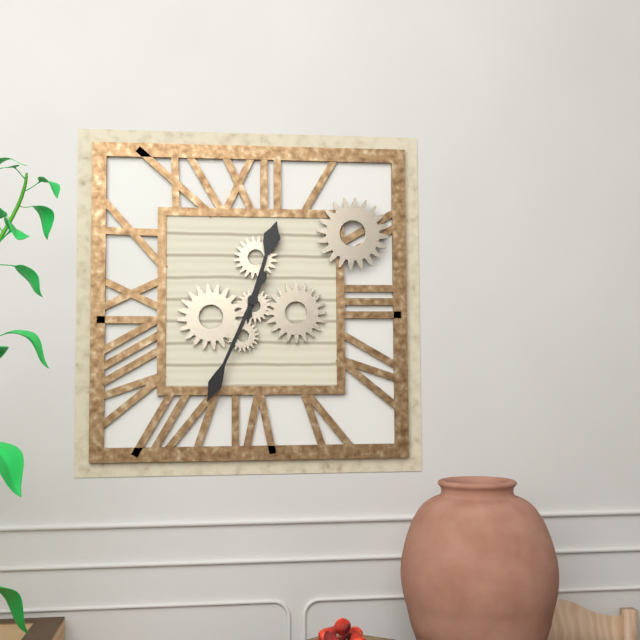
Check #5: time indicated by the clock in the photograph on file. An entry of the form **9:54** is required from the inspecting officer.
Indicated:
**12:34**
